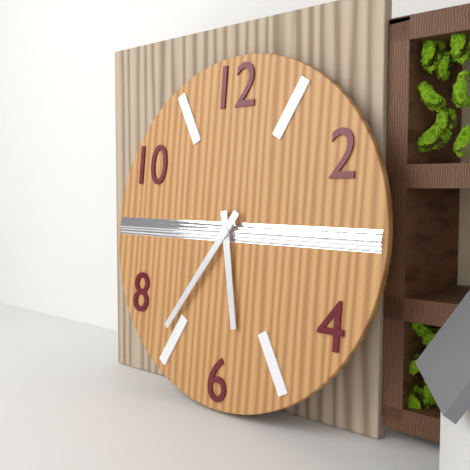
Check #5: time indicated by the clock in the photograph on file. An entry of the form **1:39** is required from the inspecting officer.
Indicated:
**5:36**
